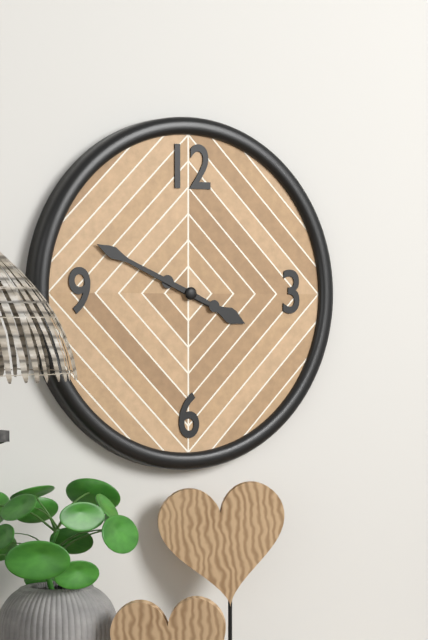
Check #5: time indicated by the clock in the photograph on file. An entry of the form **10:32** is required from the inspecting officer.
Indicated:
**3:49**
